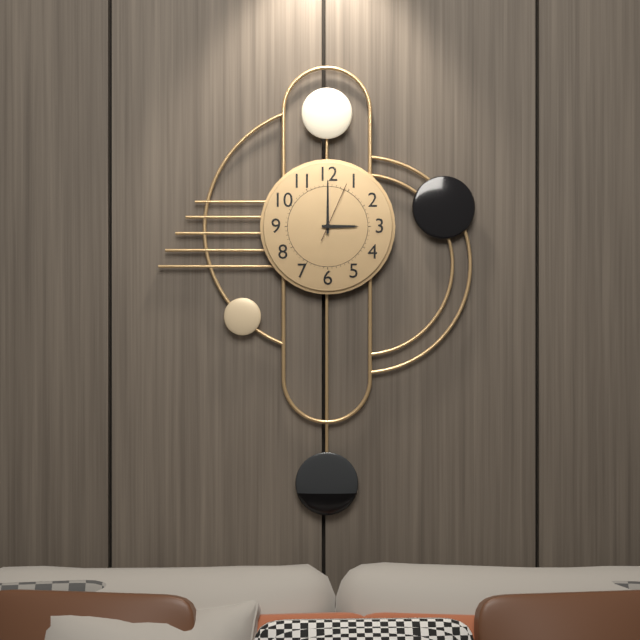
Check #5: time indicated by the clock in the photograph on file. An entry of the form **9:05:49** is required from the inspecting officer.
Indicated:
**3:00:04**
